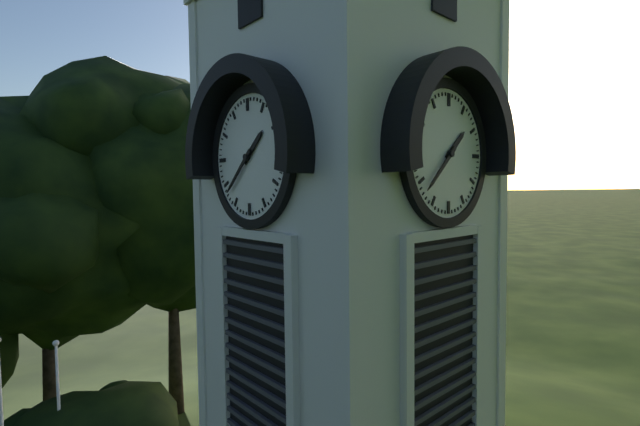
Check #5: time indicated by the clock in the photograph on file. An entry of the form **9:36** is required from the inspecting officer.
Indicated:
**1:38**
